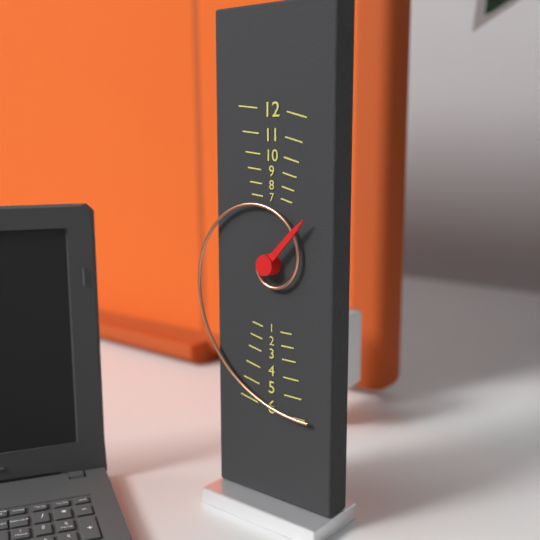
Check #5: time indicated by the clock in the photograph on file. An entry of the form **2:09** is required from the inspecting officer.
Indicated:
**1:27**
